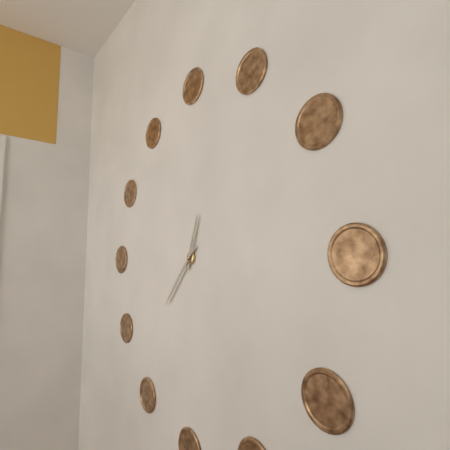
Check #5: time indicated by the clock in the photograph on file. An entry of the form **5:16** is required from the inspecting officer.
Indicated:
**12:37**
